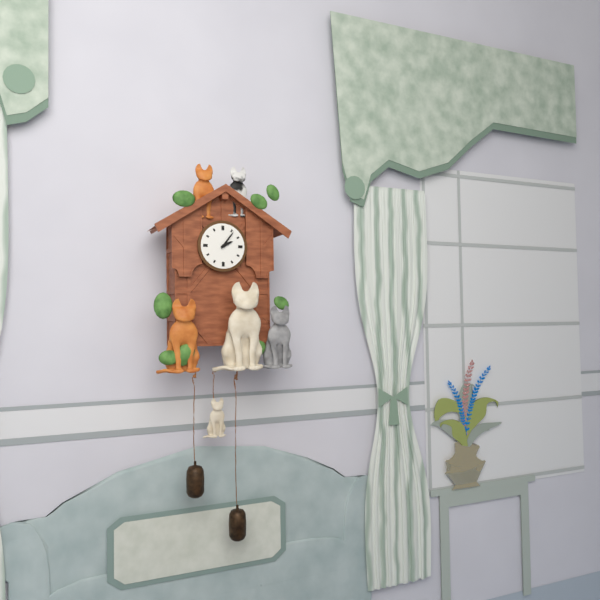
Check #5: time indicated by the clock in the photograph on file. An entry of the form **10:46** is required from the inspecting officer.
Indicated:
**2:06**
